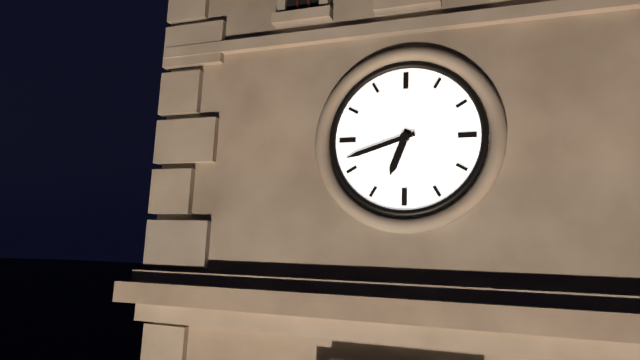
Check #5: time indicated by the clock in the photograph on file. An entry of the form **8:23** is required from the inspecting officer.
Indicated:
**6:42**
